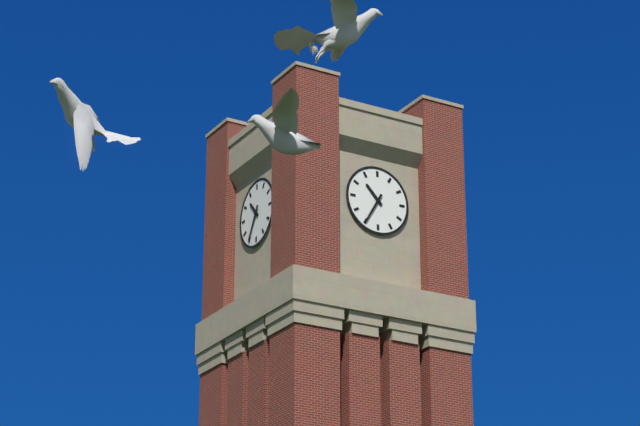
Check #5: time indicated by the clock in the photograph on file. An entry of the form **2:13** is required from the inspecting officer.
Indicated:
**10:35**
